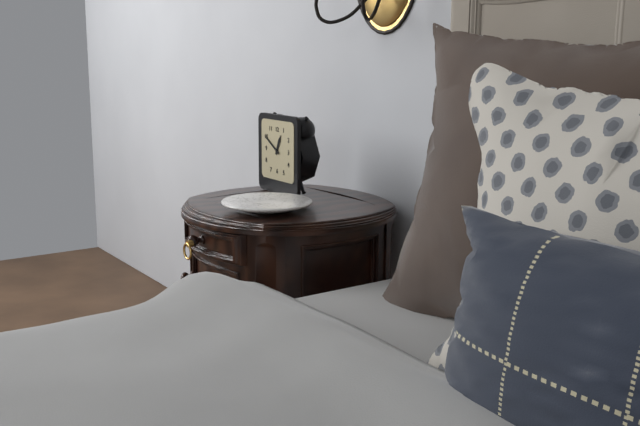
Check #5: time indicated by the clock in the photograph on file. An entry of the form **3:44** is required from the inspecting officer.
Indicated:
**12:50**
